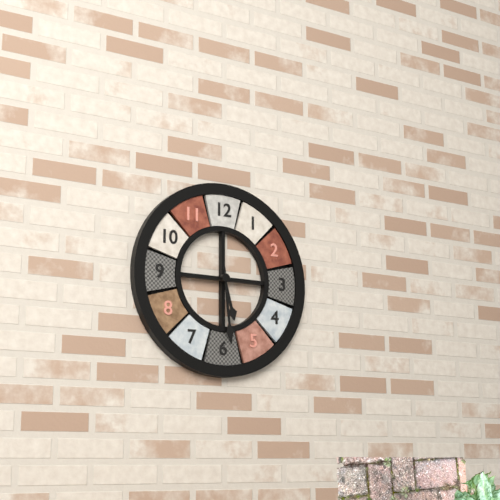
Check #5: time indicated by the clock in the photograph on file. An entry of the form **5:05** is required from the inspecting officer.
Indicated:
**5:29**
